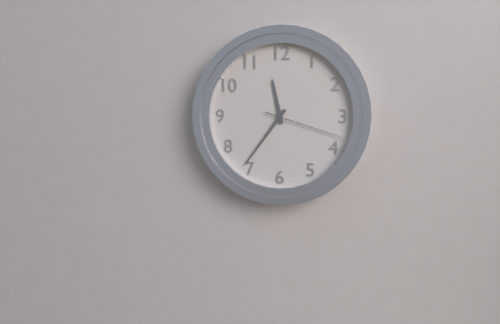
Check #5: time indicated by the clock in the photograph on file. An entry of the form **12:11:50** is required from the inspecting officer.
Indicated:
**11:36:18**
